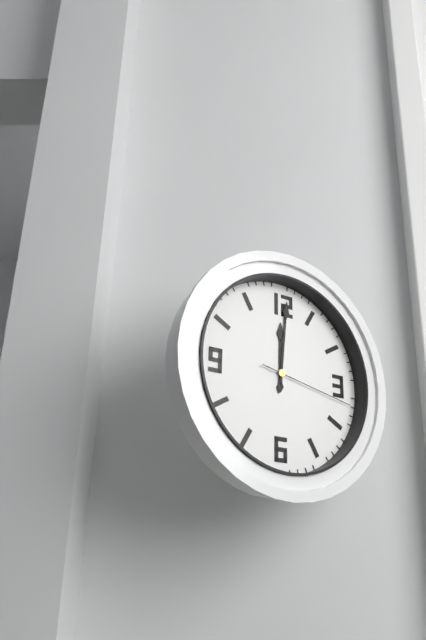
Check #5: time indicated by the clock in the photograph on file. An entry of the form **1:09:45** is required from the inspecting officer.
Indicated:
**12:01:17**
